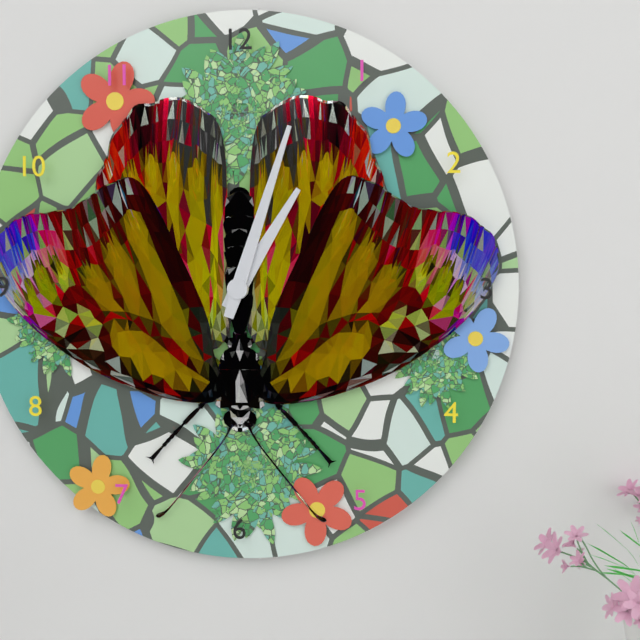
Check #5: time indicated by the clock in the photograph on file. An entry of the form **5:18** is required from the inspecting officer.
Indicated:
**1:03**
